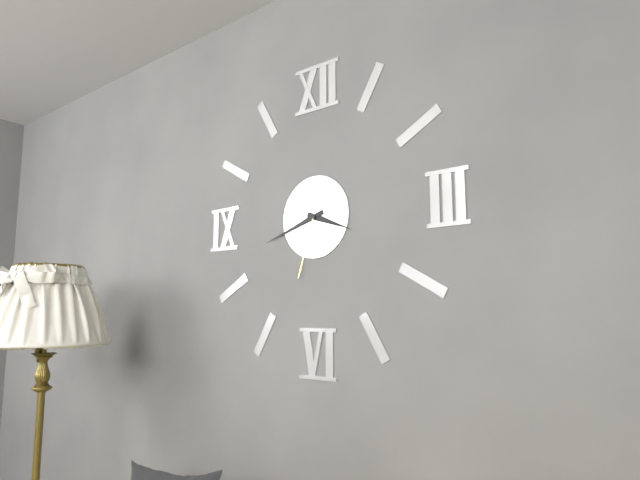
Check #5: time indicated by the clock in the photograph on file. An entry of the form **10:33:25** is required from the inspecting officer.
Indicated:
**3:42:33**
